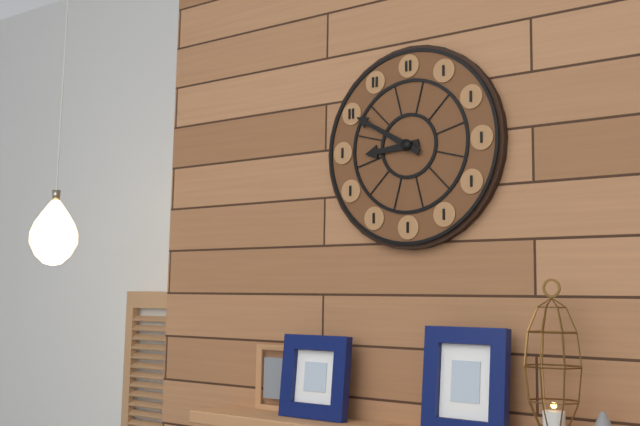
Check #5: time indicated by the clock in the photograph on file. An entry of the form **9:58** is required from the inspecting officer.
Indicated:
**8:50**
